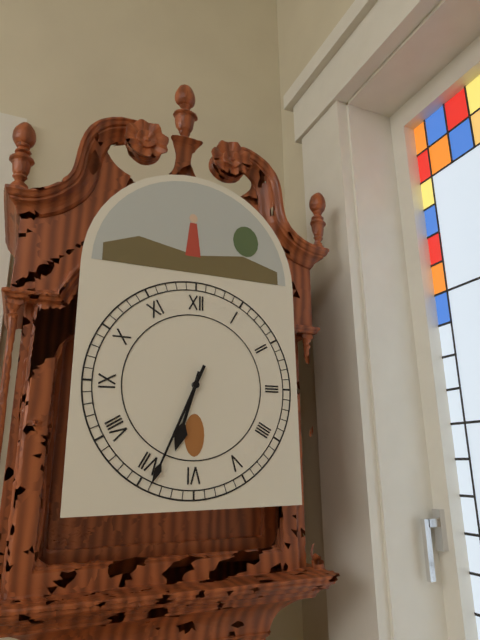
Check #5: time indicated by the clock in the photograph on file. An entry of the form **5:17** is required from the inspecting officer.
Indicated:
**6:34**
